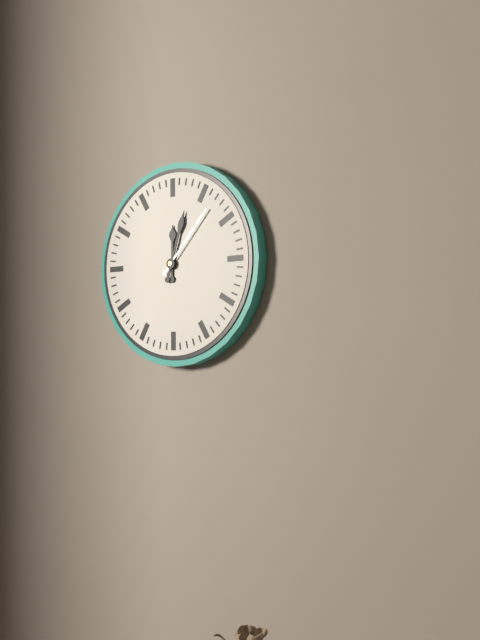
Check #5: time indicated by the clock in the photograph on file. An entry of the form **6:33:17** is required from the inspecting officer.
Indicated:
**12:03:07**
